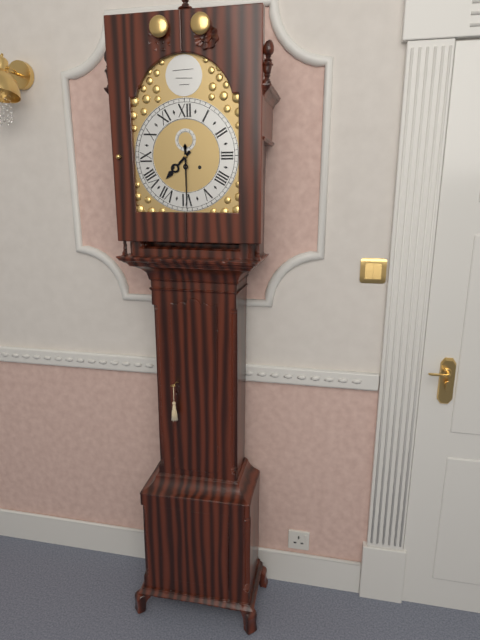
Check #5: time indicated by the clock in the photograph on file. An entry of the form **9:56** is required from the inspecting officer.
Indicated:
**7:30**
